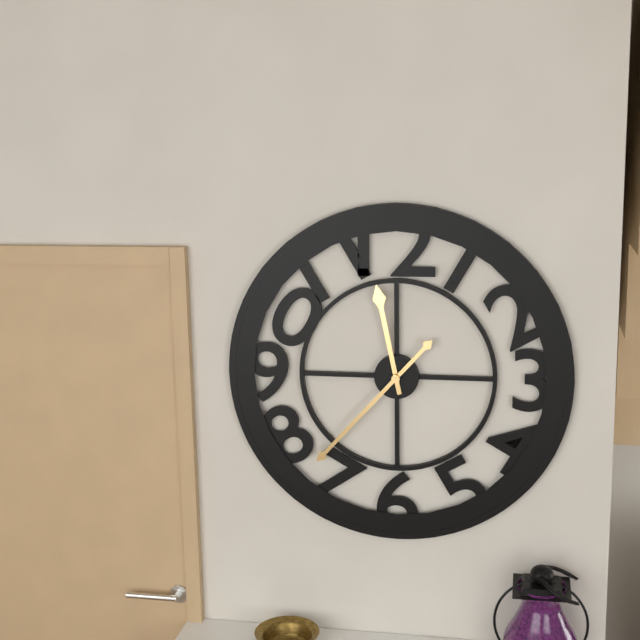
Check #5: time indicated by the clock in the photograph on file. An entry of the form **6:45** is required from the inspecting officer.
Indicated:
**11:37**
